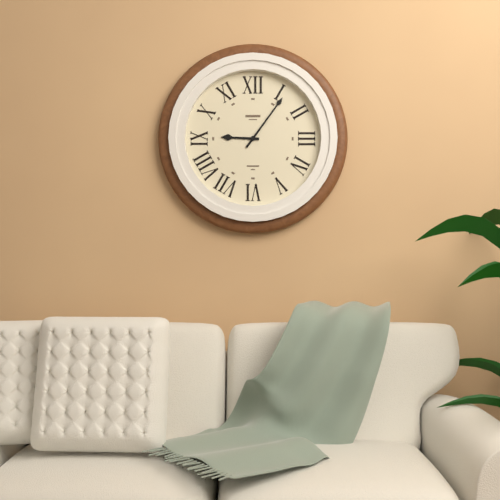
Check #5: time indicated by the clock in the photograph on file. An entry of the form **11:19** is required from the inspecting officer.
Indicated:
**9:06**
